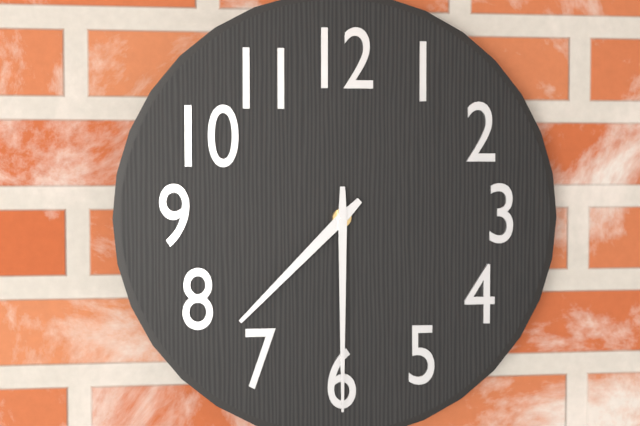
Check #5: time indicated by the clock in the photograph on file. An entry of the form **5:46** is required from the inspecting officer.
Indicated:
**7:30**
